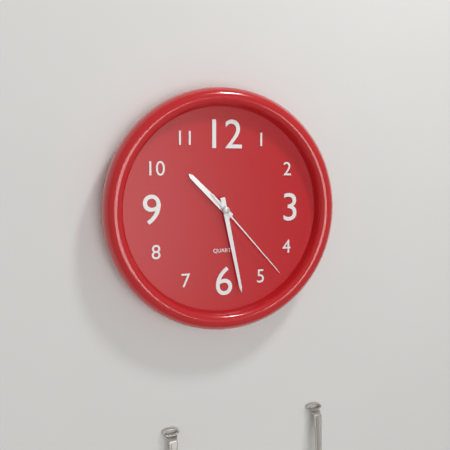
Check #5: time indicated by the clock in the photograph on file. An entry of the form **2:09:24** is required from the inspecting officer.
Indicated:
**10:28:23**
